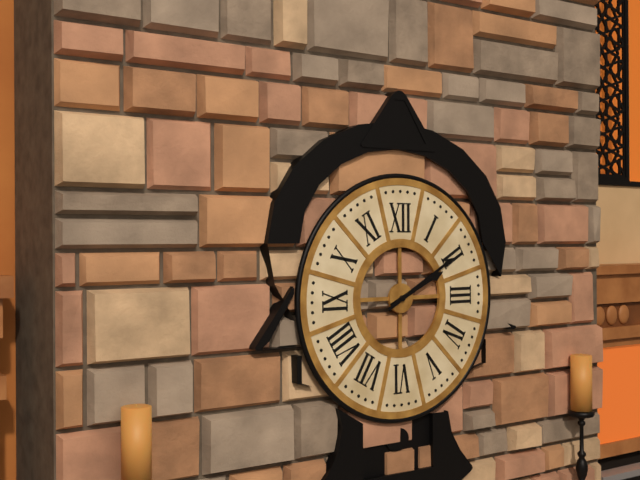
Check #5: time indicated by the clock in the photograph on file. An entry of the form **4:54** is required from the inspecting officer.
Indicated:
**2:10**
